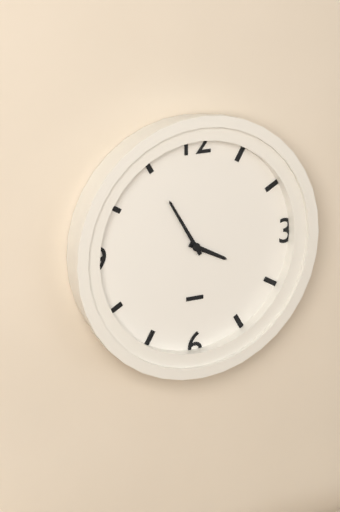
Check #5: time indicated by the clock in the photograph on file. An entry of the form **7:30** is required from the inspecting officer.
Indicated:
**3:55**
